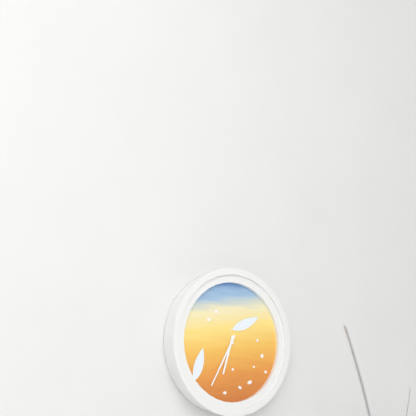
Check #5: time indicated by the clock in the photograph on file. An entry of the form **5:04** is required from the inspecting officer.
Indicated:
**6:35**
